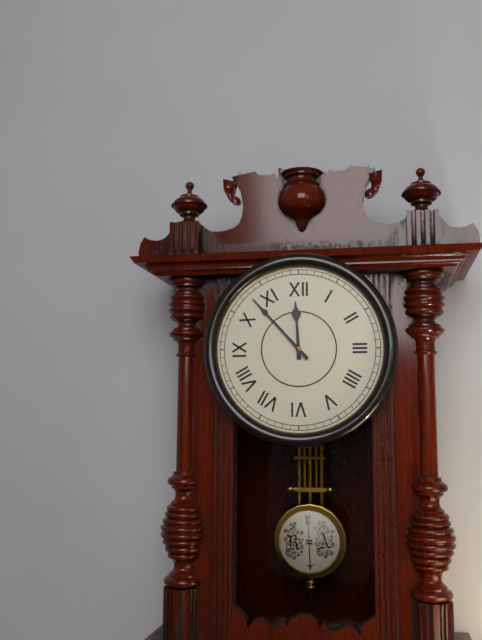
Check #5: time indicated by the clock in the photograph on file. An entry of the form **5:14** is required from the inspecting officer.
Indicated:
**11:53**
